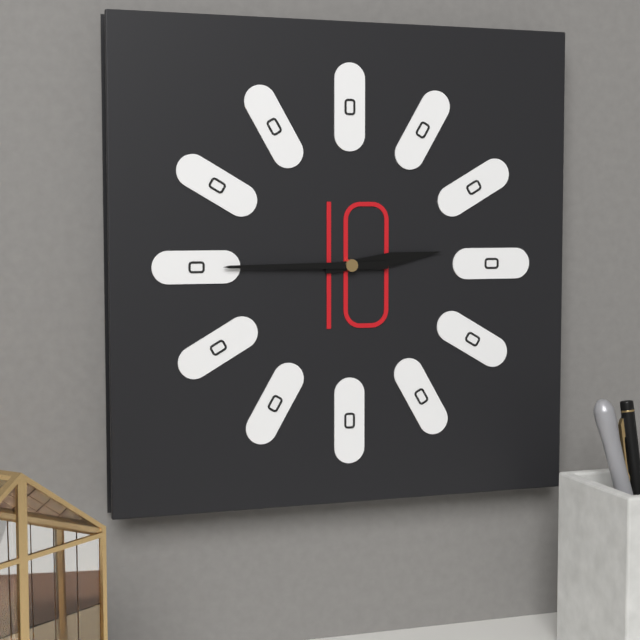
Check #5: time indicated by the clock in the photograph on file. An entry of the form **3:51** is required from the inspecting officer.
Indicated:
**2:45**
